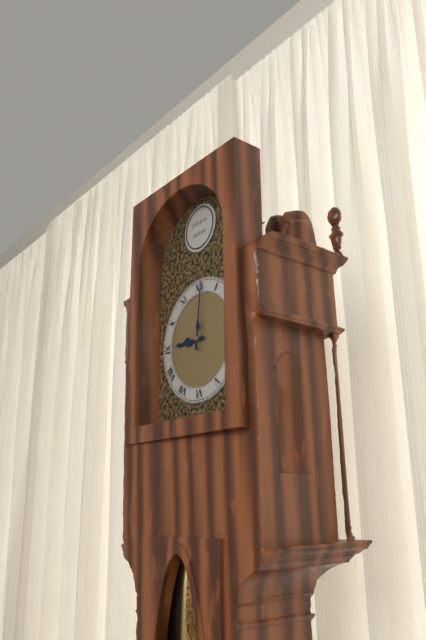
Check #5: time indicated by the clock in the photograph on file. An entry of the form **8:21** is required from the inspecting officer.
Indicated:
**9:01**
